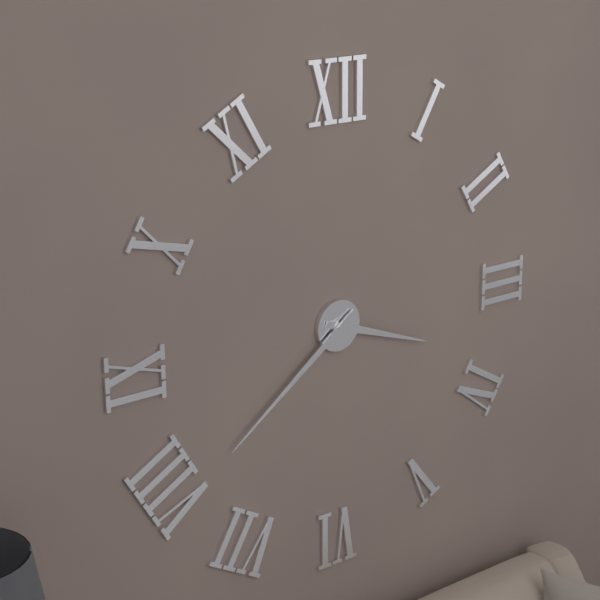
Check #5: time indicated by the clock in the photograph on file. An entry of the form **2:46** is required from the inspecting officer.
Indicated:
**3:39**
